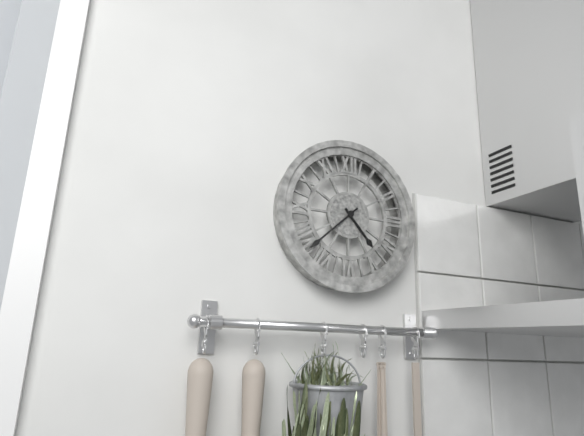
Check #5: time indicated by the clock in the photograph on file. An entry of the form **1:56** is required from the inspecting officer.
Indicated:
**4:38**
